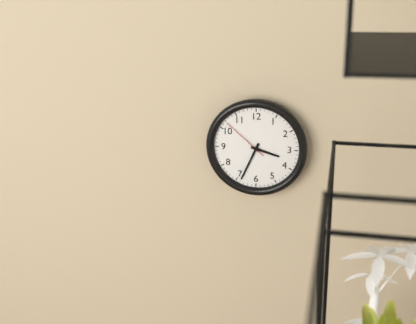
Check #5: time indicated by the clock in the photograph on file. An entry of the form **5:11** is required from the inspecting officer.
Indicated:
**3:34**
